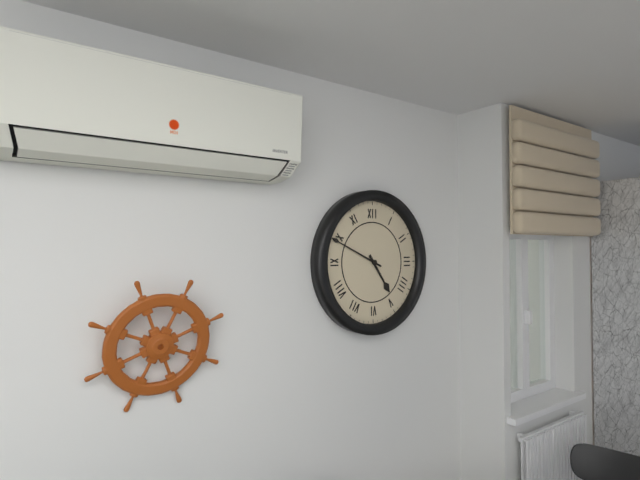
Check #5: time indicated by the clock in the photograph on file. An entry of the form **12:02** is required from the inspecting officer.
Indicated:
**4:49**
